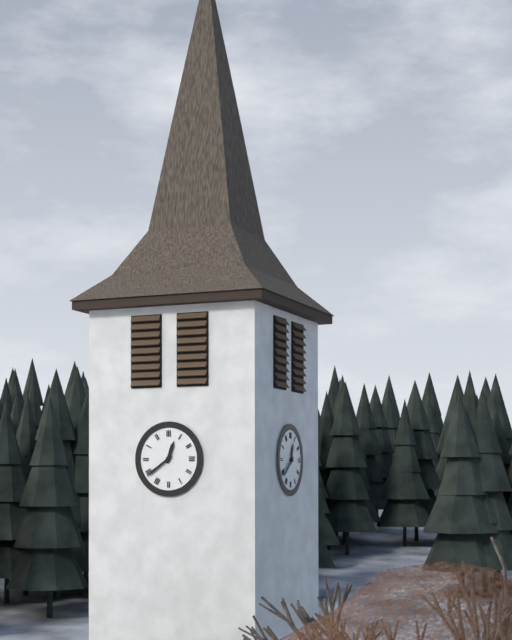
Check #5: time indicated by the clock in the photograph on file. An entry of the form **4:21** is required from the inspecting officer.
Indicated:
**12:39**
